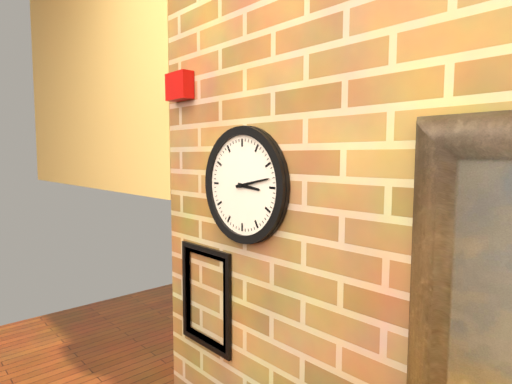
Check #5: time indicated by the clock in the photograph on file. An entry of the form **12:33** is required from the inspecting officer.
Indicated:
**3:13**
